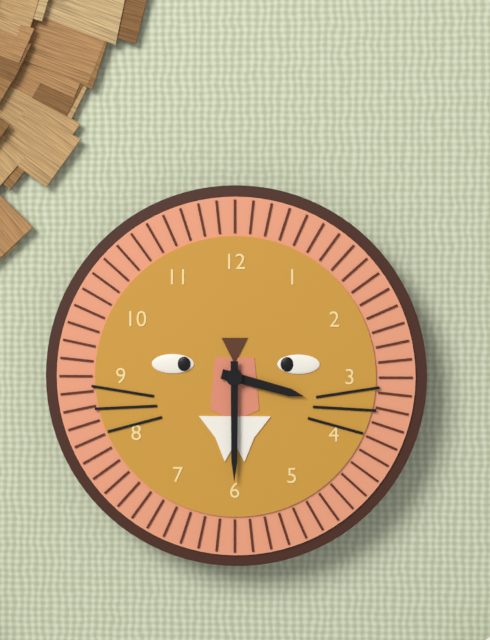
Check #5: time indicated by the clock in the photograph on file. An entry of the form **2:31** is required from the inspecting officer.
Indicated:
**3:30**
